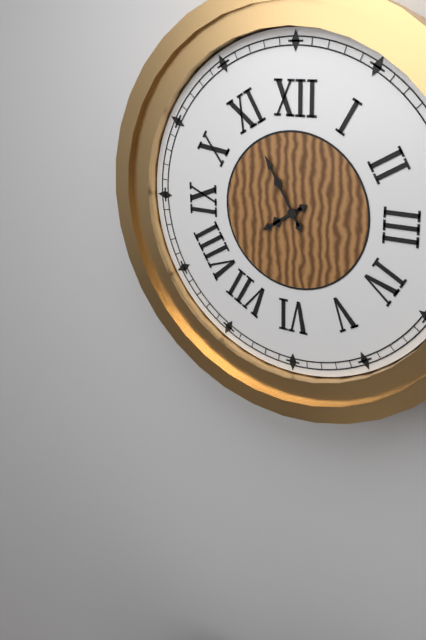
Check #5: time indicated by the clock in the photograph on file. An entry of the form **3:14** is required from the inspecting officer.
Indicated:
**7:55**
